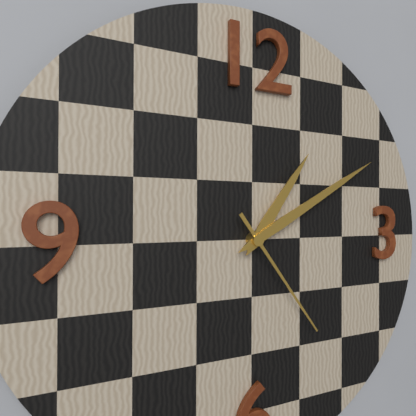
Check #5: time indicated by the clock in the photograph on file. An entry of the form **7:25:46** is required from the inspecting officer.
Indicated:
**1:10:24**
